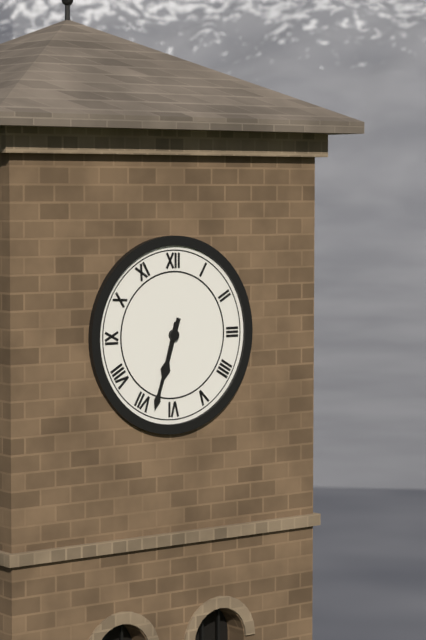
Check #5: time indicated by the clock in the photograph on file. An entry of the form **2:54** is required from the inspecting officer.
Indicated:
**6:33**
